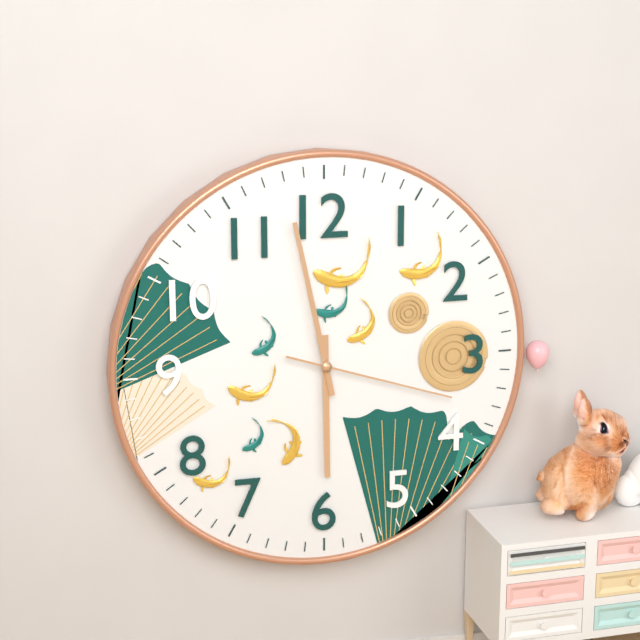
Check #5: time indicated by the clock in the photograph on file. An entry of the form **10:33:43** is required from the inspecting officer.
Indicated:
**5:58:18**
